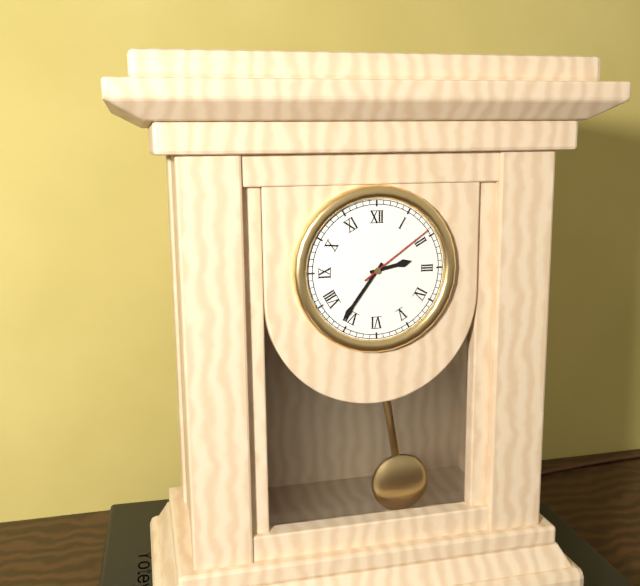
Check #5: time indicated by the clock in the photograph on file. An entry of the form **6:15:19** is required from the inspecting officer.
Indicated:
**2:36:09**
